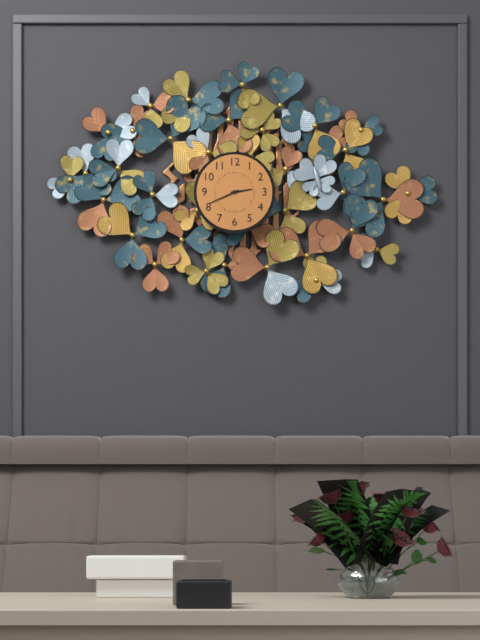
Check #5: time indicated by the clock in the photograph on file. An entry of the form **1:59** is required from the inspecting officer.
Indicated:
**2:41**
